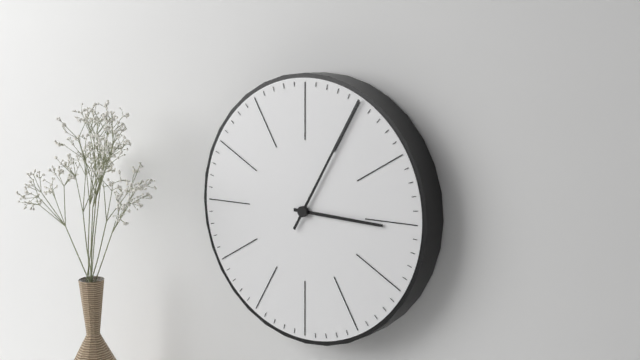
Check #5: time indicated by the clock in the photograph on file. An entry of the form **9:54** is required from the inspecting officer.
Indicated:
**3:05**
